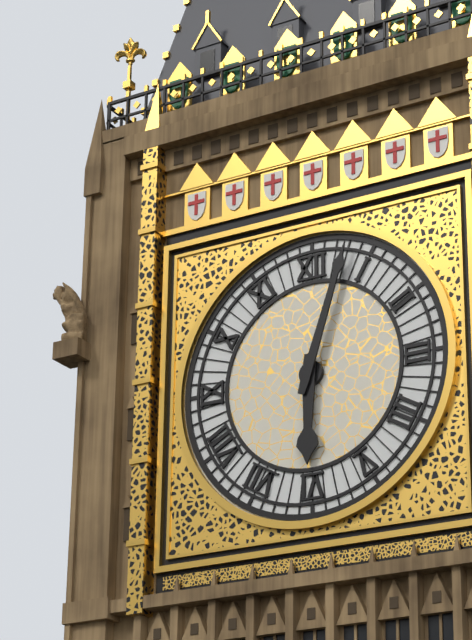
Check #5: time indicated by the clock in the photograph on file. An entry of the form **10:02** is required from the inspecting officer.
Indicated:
**6:03**
